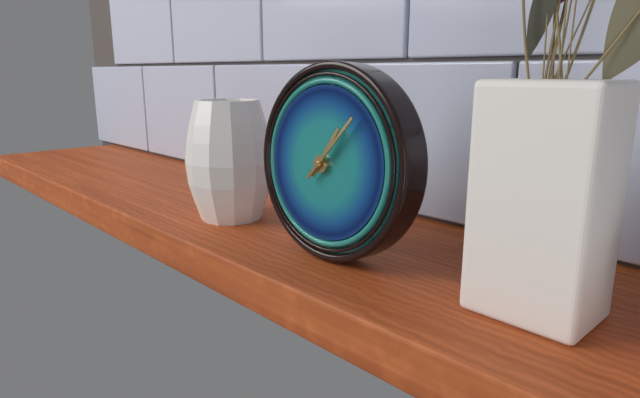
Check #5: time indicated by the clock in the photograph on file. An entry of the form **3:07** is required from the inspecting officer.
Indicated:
**1:07**
